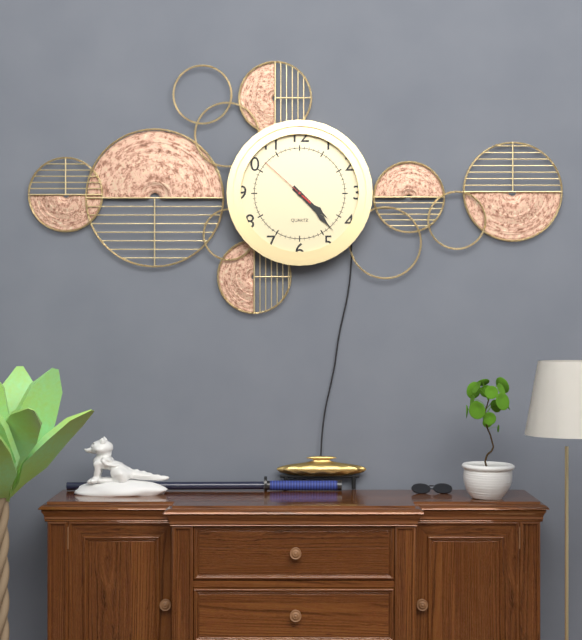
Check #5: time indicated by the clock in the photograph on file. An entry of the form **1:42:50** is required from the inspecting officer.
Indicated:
**4:23:52**
